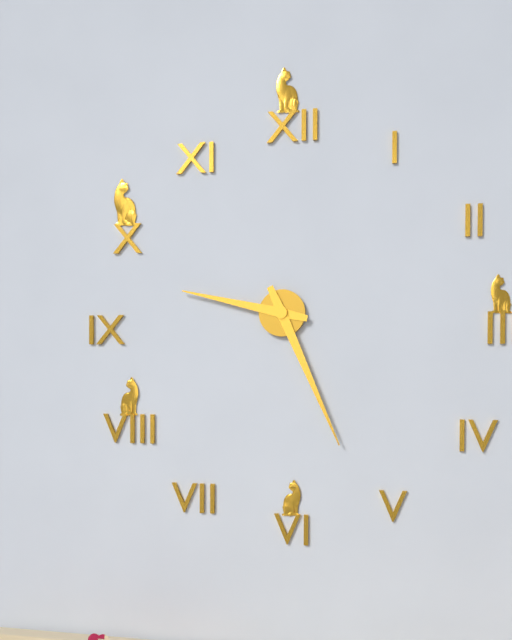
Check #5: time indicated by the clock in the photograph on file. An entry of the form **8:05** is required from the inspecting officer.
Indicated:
**9:26**
